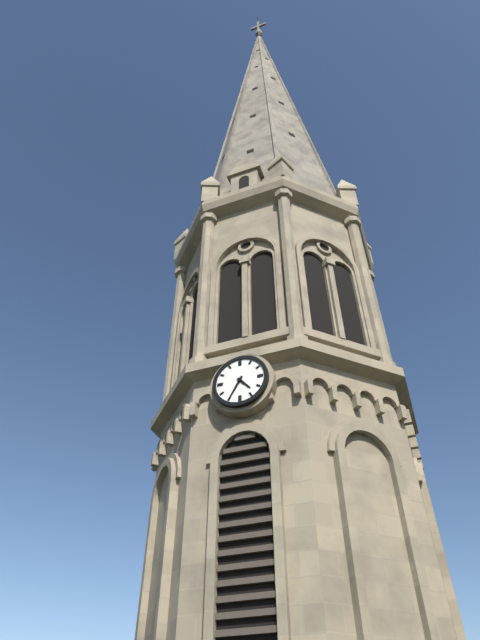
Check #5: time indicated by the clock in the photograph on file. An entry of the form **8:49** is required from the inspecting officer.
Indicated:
**4:35**
